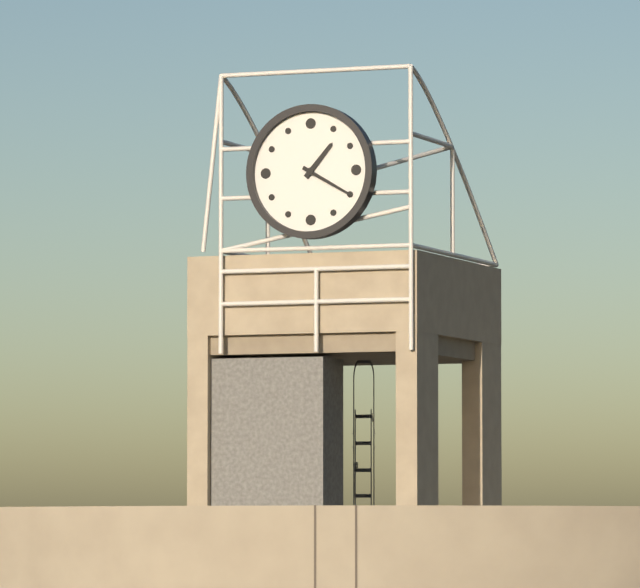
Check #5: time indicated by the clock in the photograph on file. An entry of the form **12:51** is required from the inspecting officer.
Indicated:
**1:20**
